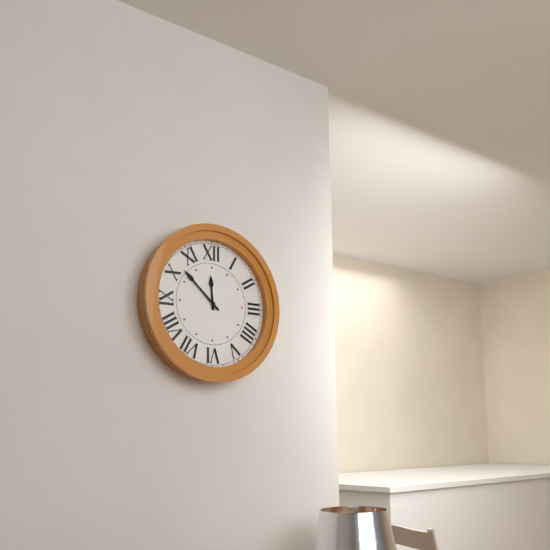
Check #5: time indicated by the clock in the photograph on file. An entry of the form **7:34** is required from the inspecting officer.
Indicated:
**11:52**
